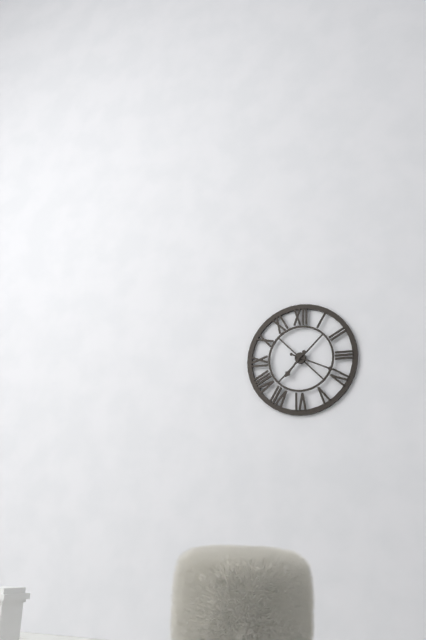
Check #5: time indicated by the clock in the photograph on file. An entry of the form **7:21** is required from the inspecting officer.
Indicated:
**7:19**
